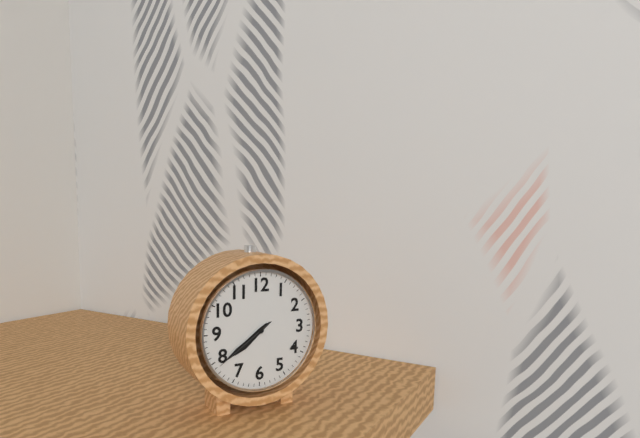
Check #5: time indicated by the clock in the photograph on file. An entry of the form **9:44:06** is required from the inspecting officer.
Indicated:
**7:39:39**
